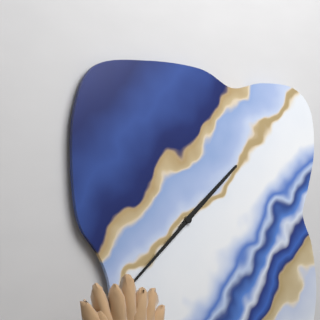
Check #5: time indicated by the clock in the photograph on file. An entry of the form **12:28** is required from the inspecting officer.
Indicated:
**1:38**
